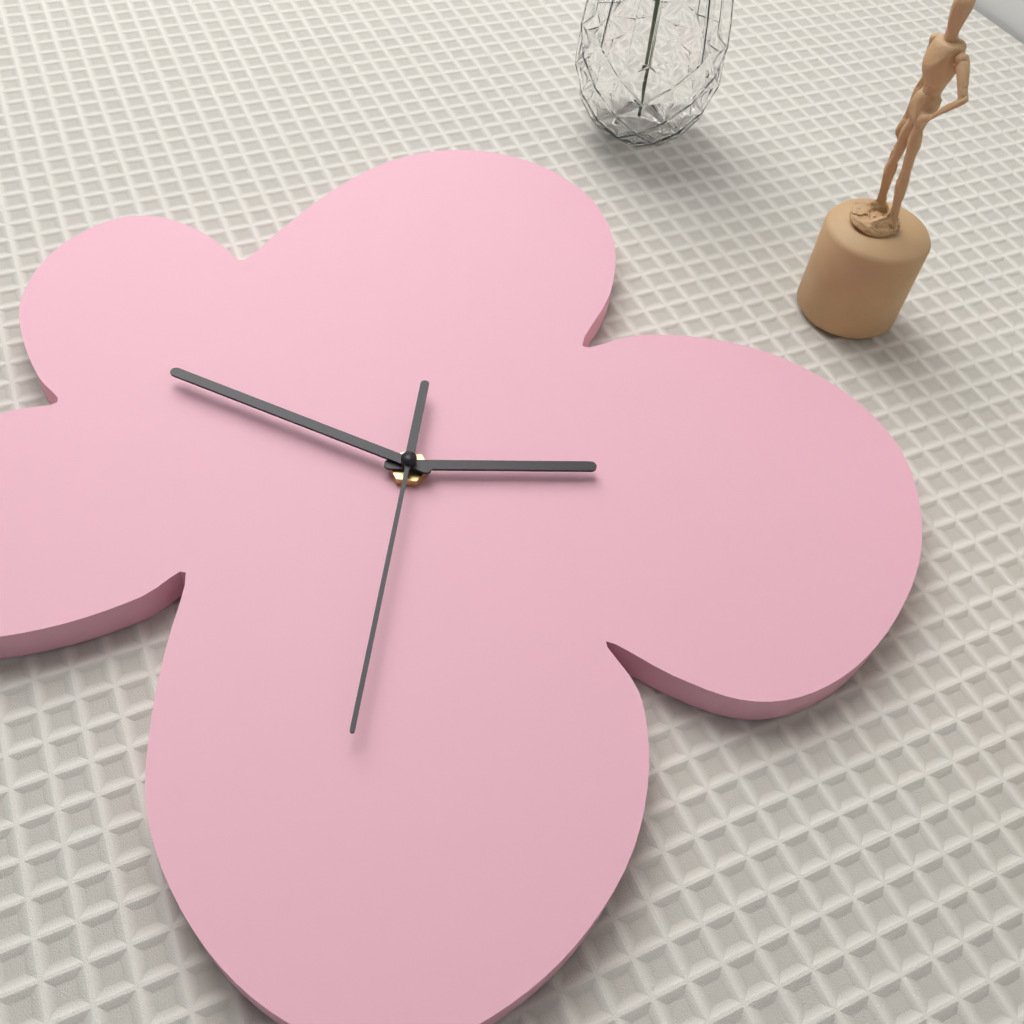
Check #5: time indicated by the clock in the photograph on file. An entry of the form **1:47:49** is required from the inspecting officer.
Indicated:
**1:43:25**
